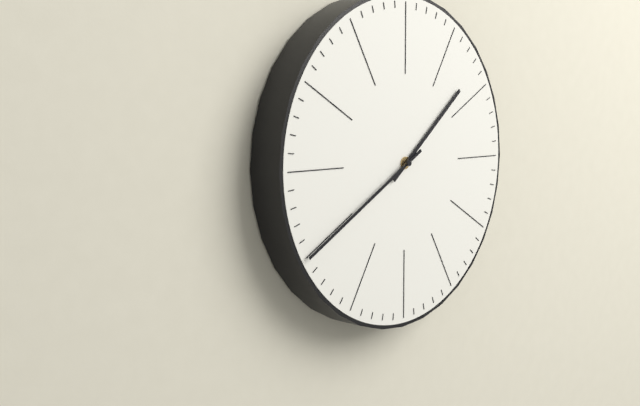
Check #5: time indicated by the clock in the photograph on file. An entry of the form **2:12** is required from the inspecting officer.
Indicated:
**1:40**
